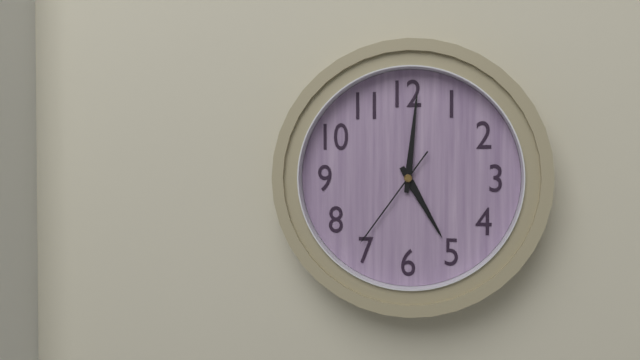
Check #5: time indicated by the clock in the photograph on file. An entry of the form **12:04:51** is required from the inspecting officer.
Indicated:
**5:01:36**
